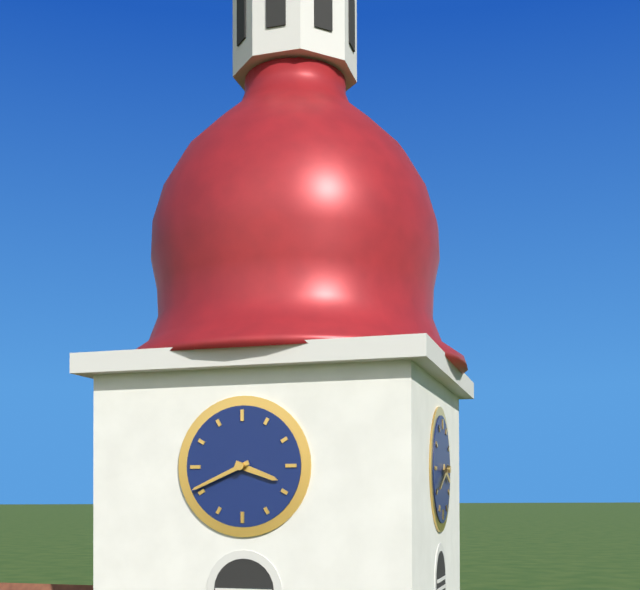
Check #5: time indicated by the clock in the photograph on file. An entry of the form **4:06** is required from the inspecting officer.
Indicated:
**3:41**
